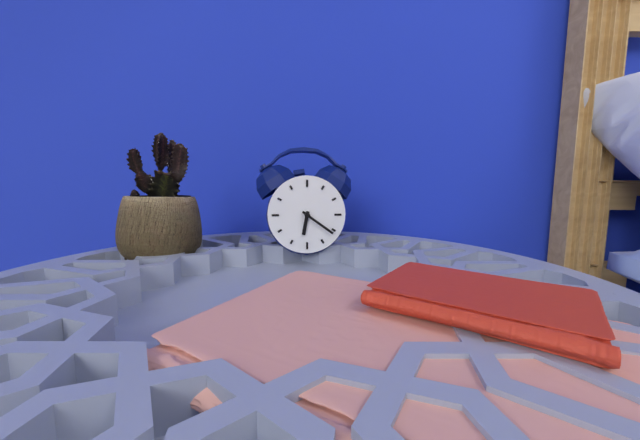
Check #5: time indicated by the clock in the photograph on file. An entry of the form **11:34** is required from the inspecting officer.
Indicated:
**6:21**
